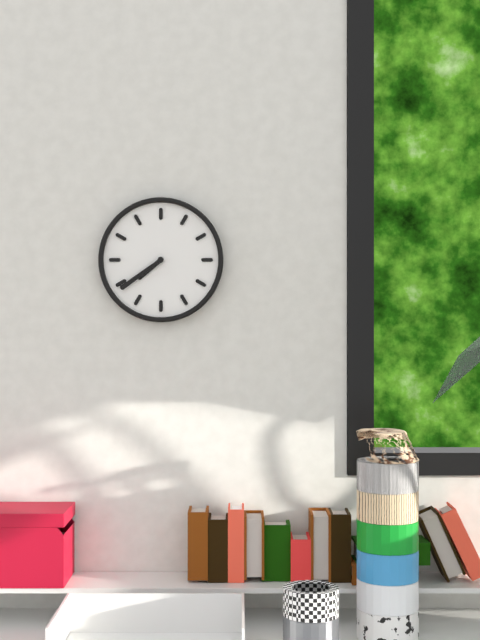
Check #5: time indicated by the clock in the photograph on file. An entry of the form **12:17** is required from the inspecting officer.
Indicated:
**7:39**
